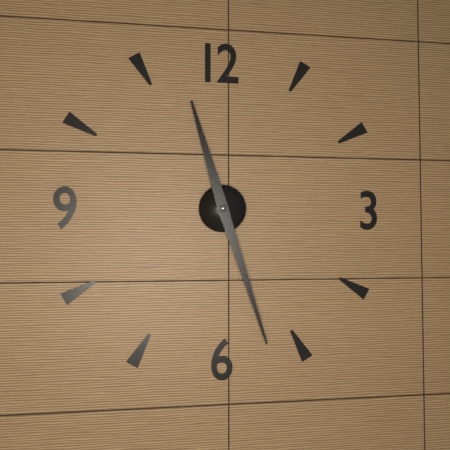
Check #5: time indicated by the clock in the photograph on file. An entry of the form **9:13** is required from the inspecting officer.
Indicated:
**11:27**
